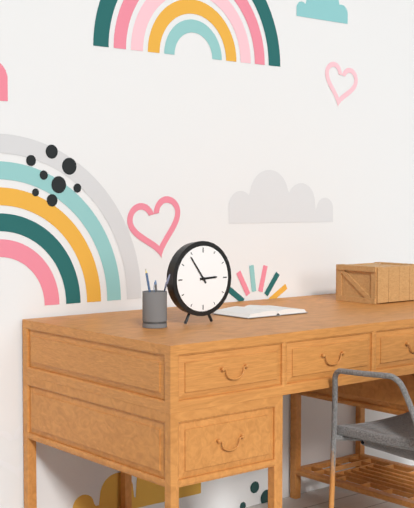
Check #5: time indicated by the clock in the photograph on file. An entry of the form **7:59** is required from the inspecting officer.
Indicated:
**2:54**
